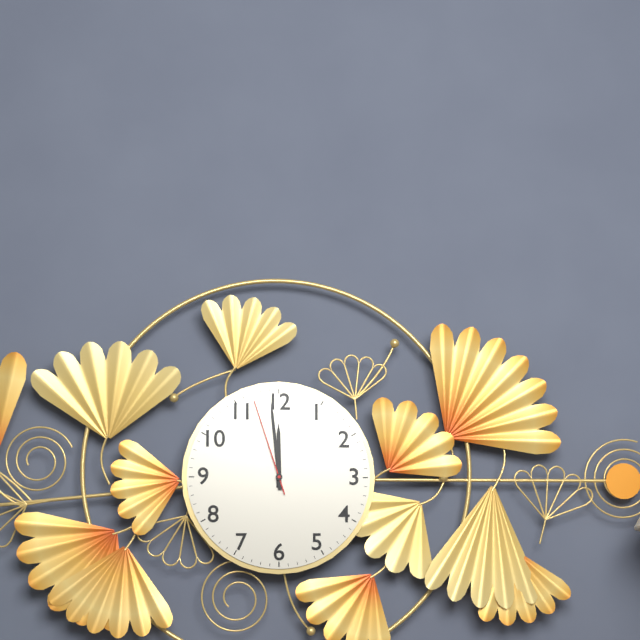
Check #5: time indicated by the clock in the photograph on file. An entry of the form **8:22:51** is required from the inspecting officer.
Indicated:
**11:59:57**
